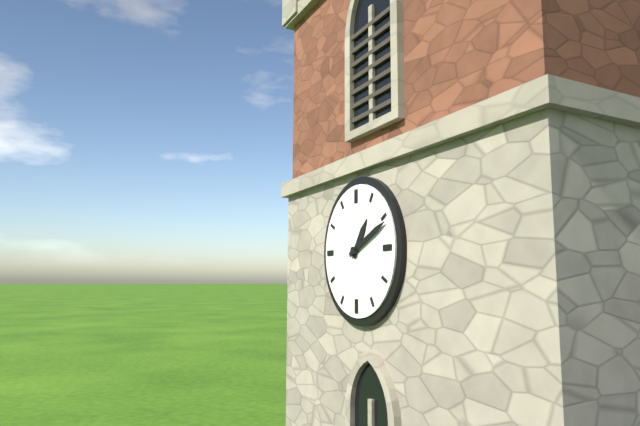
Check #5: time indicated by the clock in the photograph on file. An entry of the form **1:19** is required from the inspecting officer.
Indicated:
**1:11**
